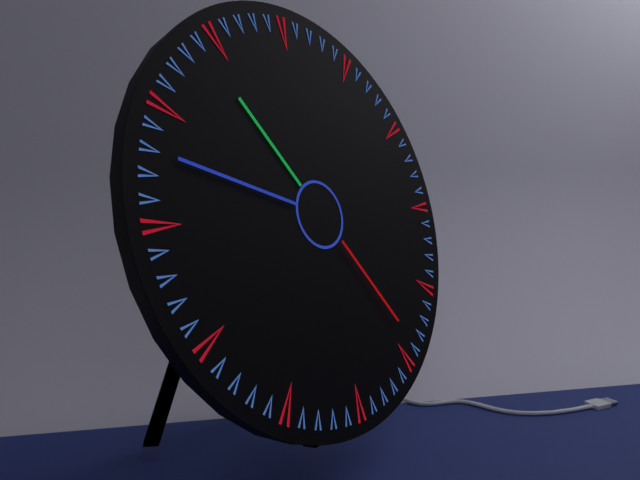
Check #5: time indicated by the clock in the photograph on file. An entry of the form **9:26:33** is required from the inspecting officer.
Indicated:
**10:48:24**
